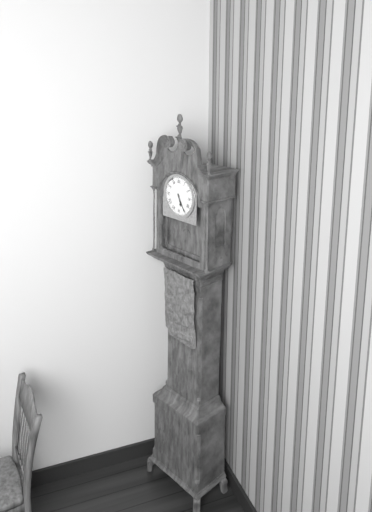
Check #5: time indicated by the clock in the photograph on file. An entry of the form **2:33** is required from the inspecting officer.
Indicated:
**5:25**
